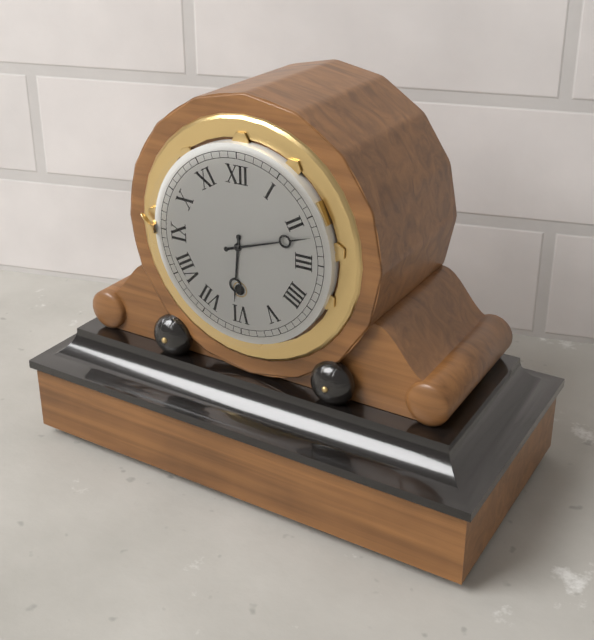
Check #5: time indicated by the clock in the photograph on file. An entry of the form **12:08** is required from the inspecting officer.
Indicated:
**6:12**
